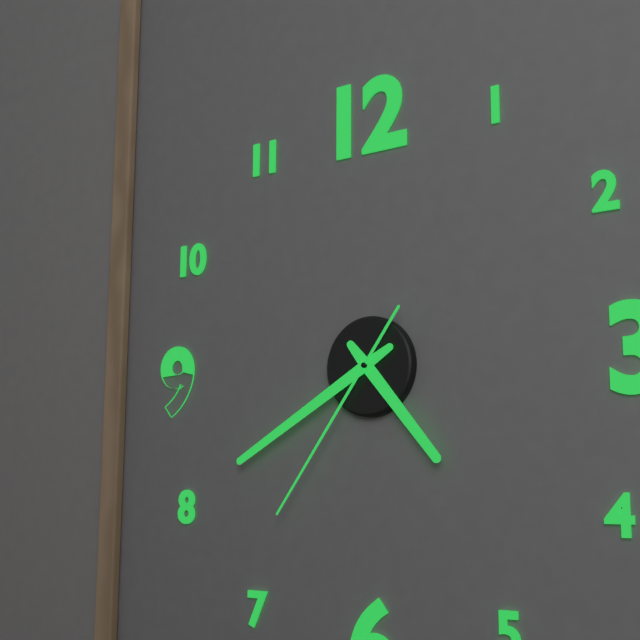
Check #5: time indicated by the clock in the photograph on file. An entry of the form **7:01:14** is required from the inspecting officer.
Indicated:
**4:40:36**
